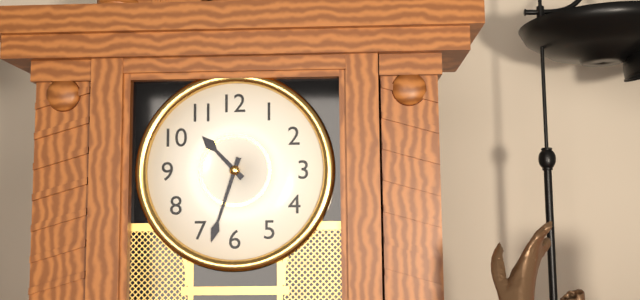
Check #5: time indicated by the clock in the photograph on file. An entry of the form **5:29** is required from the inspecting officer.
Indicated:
**10:33**
